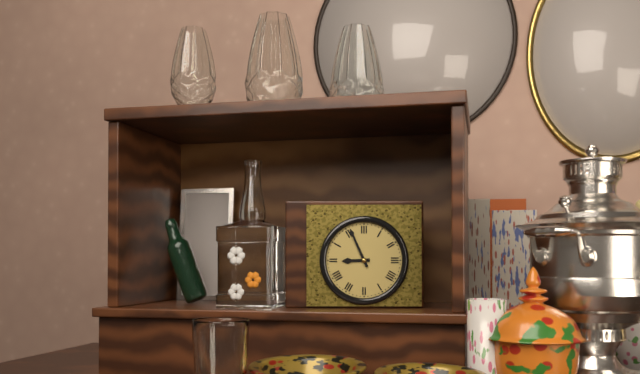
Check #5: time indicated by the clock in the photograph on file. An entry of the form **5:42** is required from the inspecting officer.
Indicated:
**8:56**
